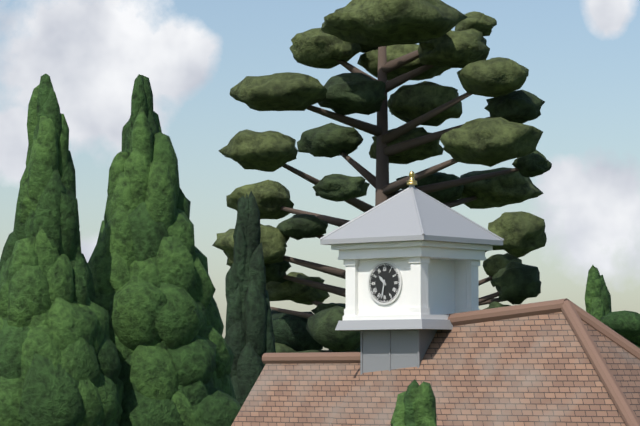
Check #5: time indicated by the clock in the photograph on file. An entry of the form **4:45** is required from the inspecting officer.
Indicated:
**10:32**
